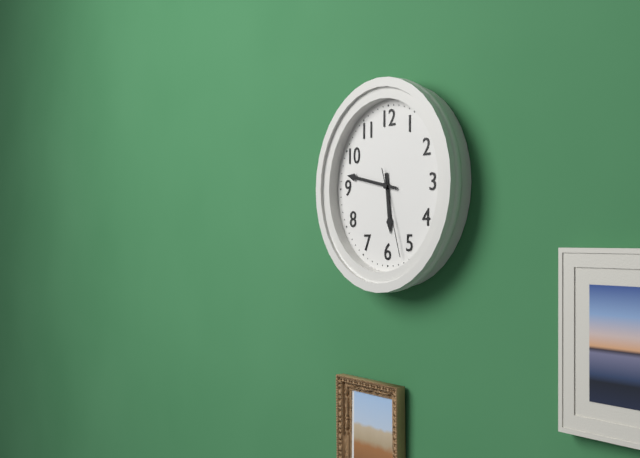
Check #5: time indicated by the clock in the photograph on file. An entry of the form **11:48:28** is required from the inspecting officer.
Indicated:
**5:47:27**
